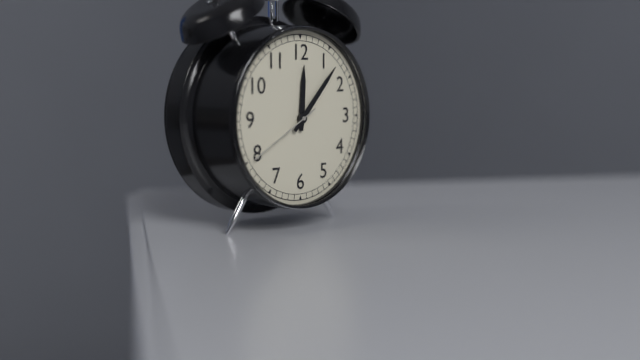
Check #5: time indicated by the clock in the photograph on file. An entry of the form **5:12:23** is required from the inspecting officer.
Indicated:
**12:07:40**
